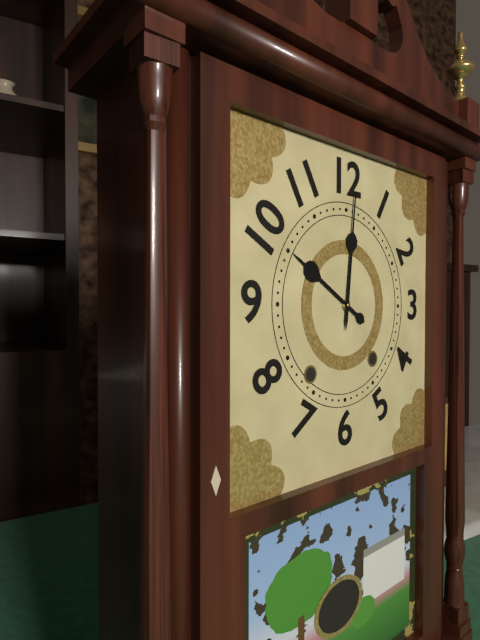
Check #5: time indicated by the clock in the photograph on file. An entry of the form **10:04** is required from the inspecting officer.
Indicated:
**10:01**
